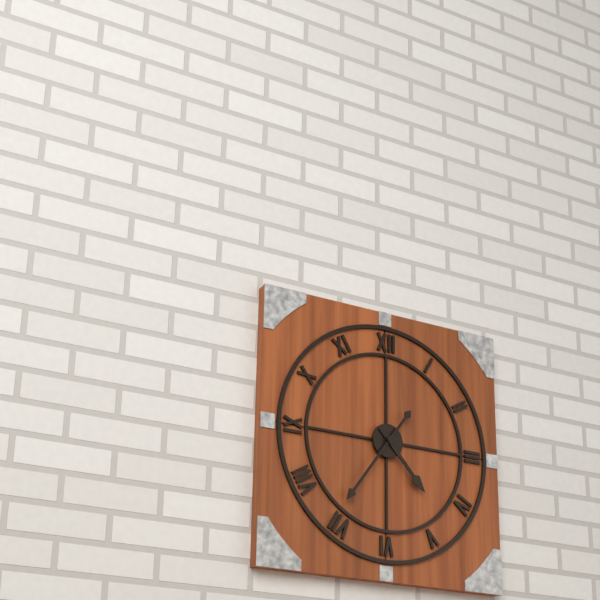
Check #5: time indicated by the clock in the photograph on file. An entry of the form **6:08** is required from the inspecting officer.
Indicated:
**4:36**
